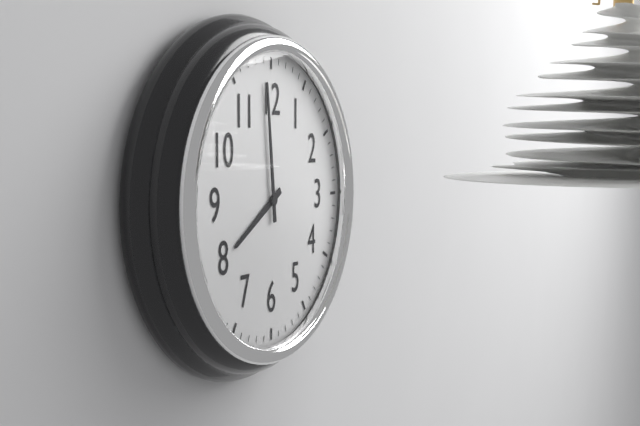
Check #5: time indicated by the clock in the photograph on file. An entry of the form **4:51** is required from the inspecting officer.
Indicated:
**7:59**
